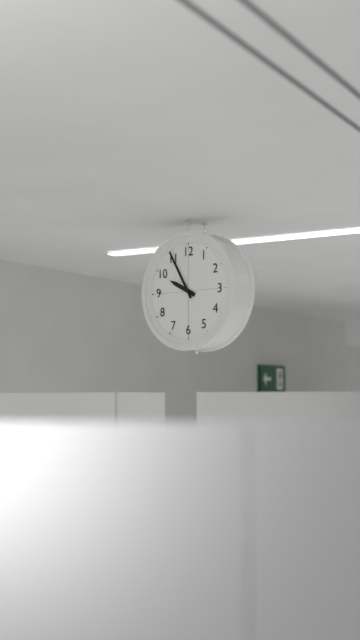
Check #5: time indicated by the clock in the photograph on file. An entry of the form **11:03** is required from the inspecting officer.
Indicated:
**9:55**
